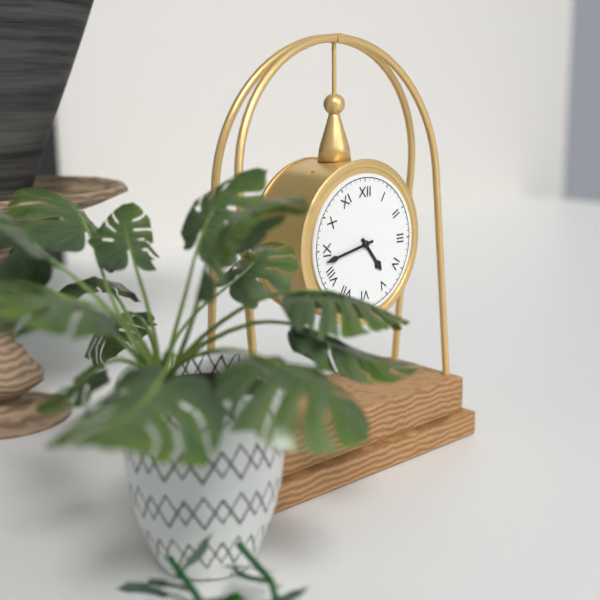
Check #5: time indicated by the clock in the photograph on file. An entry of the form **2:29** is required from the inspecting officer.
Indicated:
**4:43**
